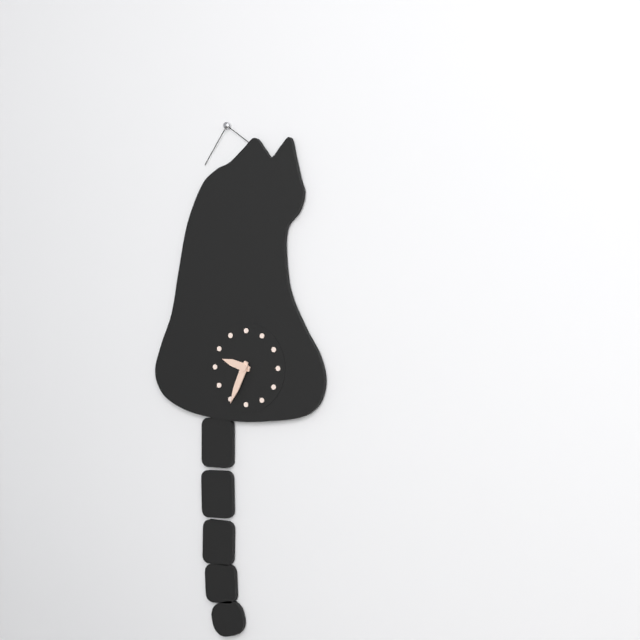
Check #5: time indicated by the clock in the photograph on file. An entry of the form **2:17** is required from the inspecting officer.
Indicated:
**9:34**
